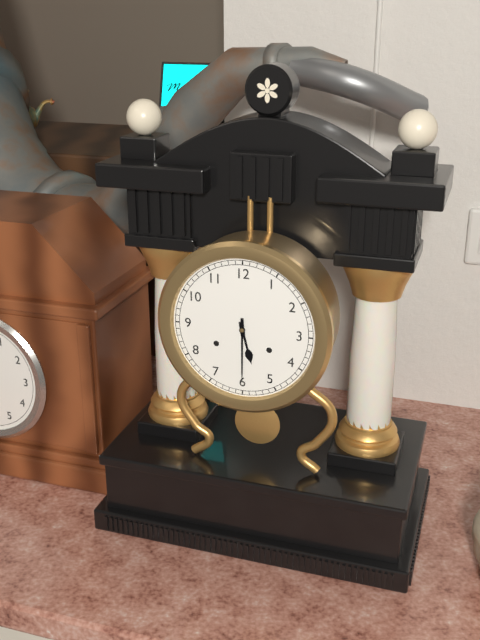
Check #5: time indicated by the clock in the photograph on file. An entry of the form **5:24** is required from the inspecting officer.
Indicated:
**5:30**
